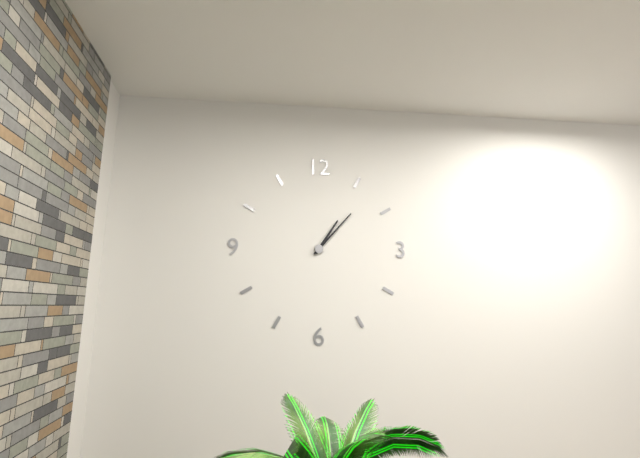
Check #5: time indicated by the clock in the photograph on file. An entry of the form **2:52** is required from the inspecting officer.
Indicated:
**1:07**
